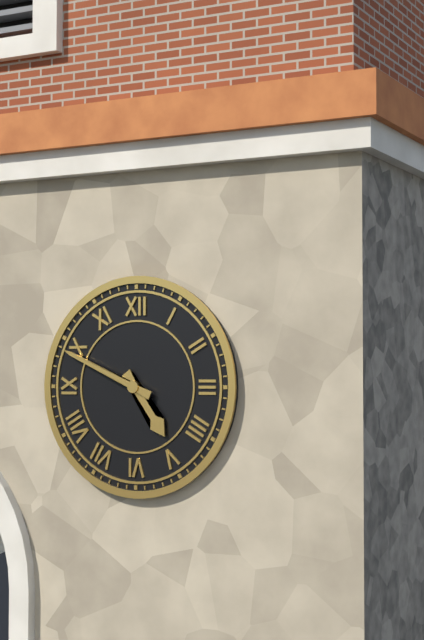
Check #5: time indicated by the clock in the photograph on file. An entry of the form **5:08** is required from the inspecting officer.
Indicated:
**4:49**
